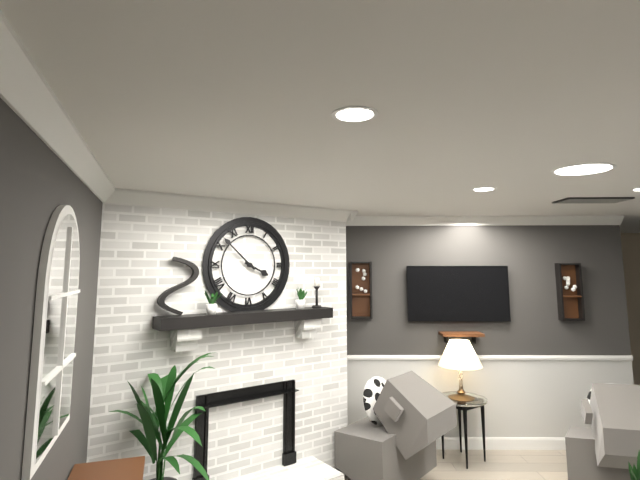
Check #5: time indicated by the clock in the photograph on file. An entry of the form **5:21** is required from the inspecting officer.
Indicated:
**3:52**
